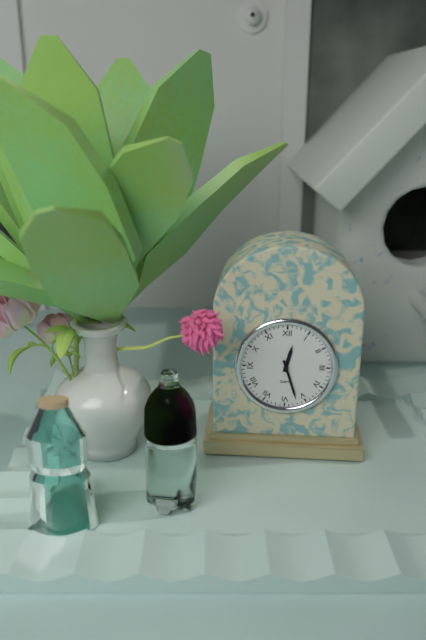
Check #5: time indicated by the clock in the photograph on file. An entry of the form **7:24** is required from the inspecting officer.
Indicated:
**12:27**
